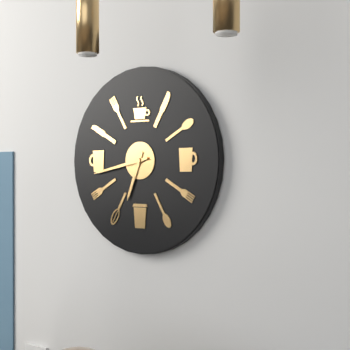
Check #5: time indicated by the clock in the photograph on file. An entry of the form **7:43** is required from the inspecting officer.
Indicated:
**6:43**
